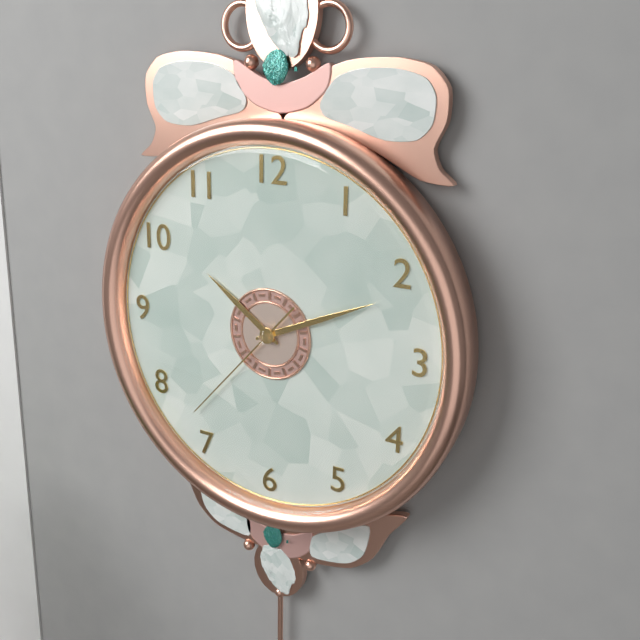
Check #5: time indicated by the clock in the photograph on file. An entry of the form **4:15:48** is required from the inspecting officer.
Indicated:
**10:11:37**
